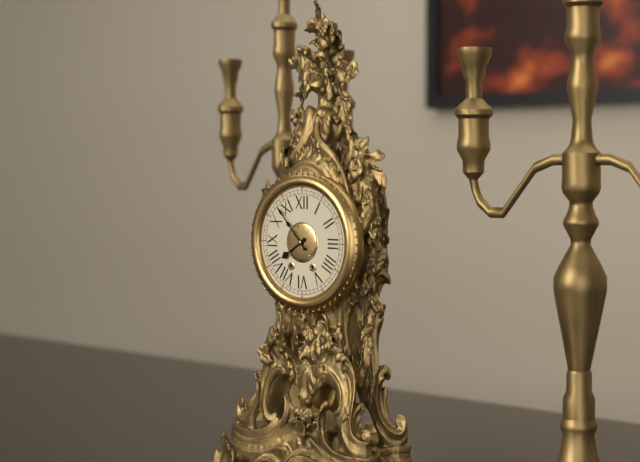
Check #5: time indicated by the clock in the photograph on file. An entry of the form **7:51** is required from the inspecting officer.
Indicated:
**7:53**
